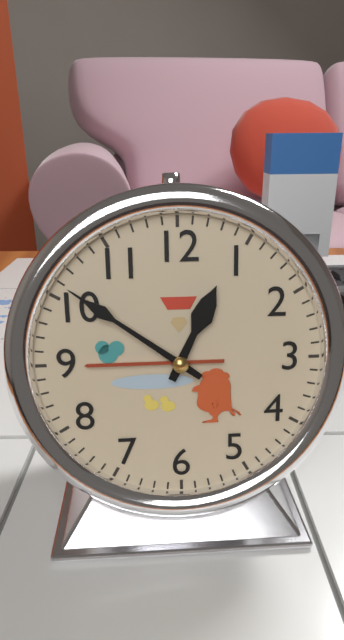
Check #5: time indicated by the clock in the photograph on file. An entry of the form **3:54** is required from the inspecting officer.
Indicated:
**12:51**
